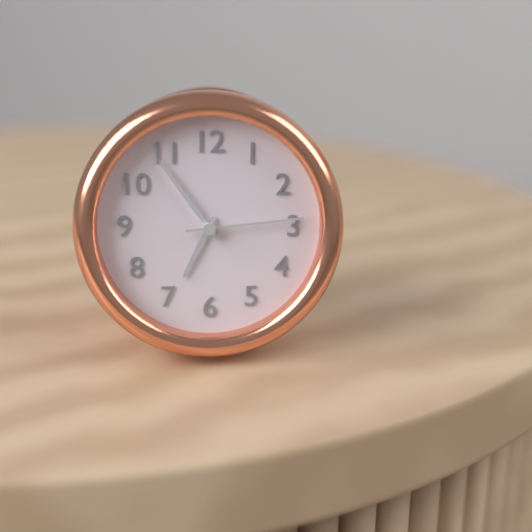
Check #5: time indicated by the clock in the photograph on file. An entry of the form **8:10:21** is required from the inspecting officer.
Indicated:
**6:54:14**
